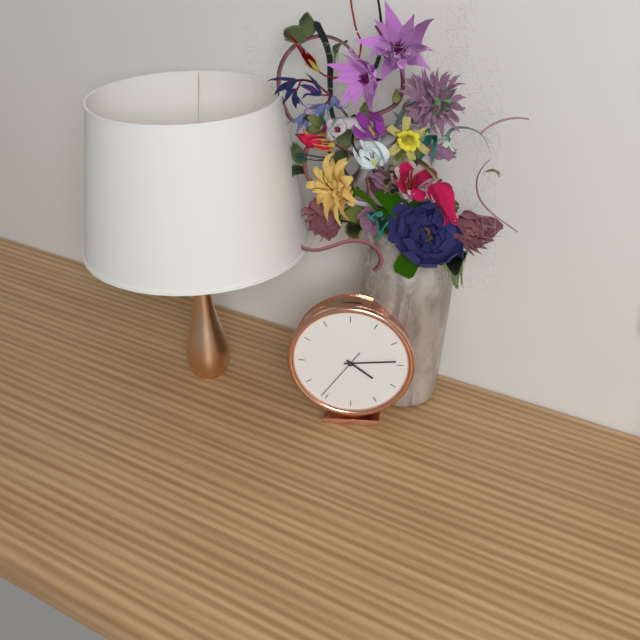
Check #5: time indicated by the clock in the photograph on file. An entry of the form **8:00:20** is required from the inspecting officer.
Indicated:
**4:14:36**
